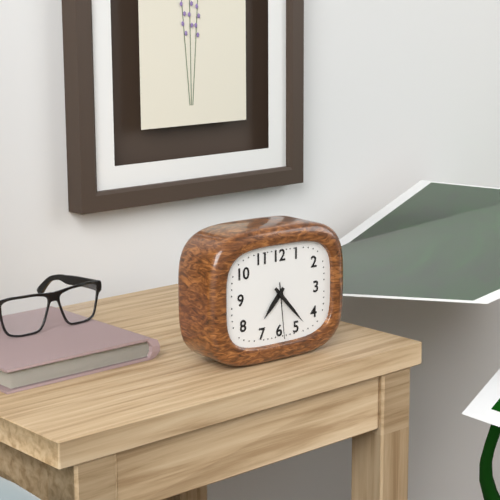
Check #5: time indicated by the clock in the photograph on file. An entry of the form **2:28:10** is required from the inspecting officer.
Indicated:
**7:23:29**
